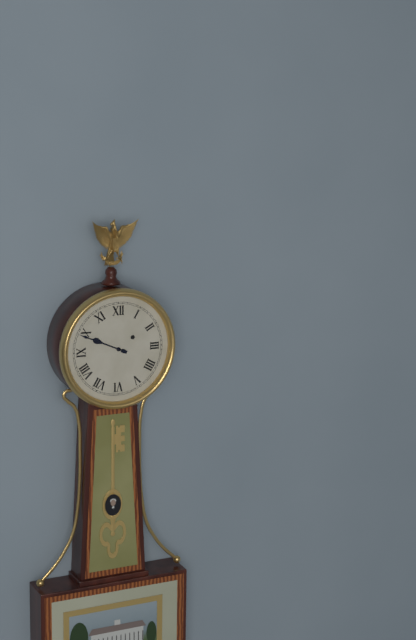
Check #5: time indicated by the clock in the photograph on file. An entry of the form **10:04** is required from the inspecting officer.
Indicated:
**9:49**
